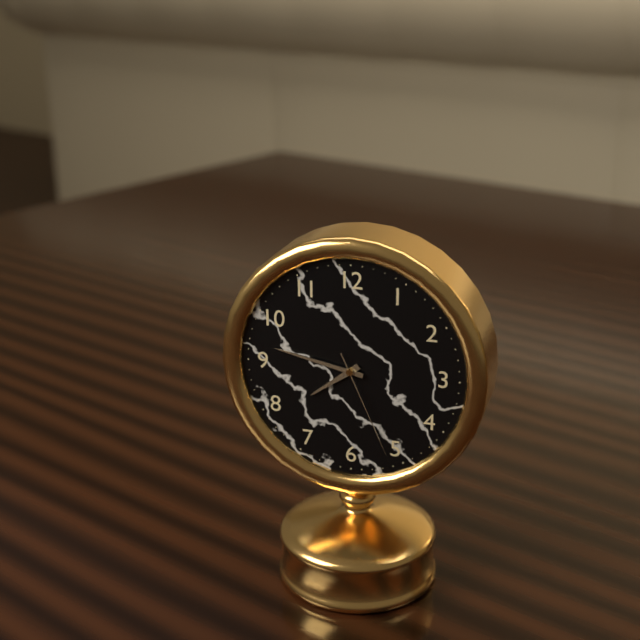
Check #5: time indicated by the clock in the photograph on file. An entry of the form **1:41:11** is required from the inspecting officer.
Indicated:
**7:47:26**
